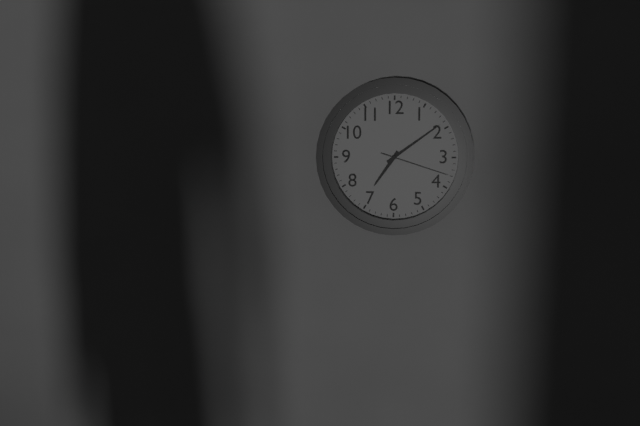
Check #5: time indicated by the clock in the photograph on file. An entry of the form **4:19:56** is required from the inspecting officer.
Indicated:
**7:09:18**
